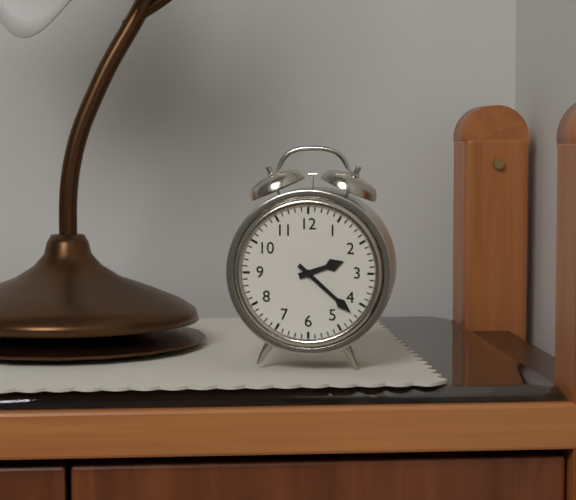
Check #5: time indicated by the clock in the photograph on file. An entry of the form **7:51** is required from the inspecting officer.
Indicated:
**2:22**
